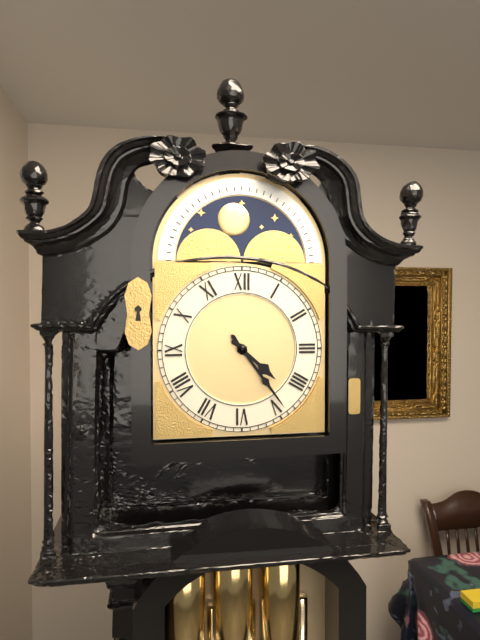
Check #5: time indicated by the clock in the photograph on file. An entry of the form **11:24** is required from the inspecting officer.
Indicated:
**4:24**
